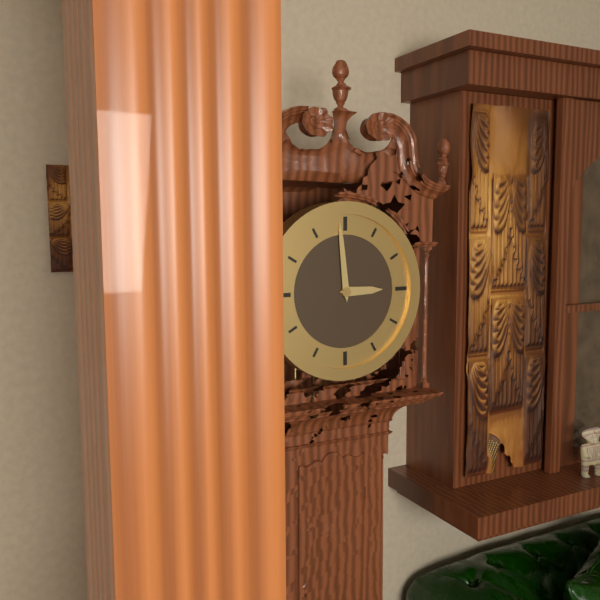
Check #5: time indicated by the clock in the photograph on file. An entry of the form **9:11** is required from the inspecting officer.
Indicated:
**2:59**
